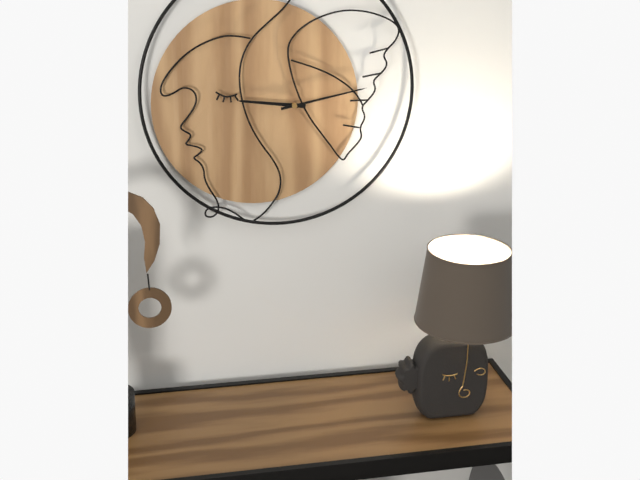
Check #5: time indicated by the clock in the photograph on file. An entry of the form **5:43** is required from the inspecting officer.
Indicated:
**9:13**
